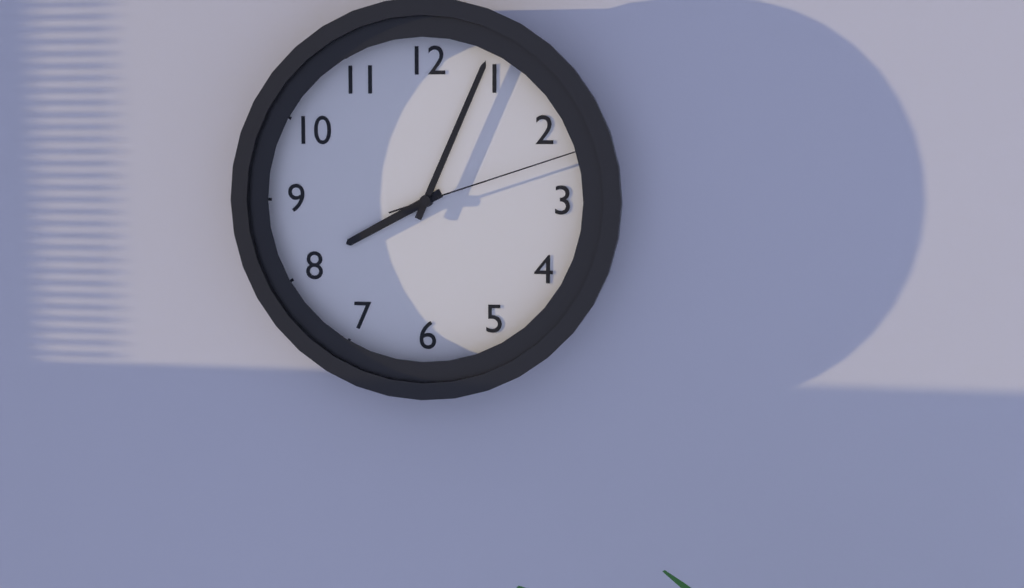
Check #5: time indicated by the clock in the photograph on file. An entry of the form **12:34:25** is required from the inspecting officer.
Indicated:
**8:04:12**
